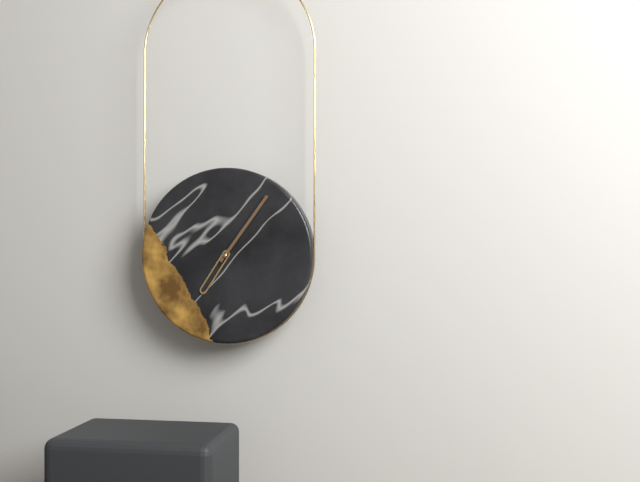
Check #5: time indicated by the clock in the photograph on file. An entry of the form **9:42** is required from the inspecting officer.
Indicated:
**7:06**
